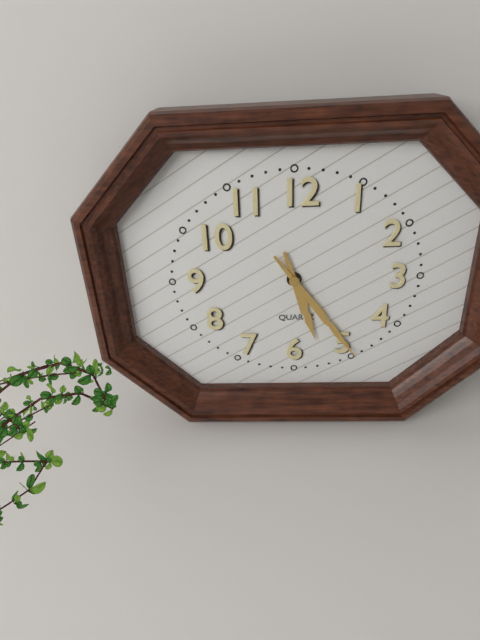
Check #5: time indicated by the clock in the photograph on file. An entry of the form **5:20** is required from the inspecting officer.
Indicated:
**5:24**
